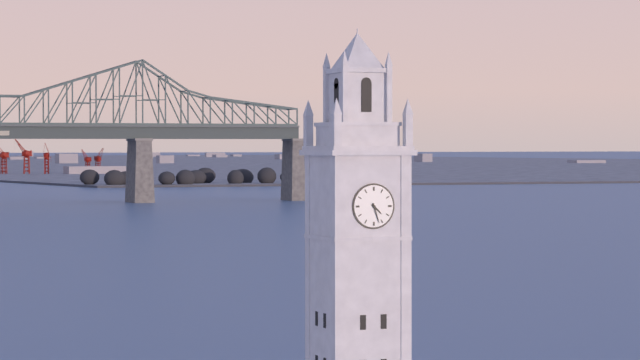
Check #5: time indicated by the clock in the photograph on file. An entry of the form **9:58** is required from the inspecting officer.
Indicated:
**4:27**
